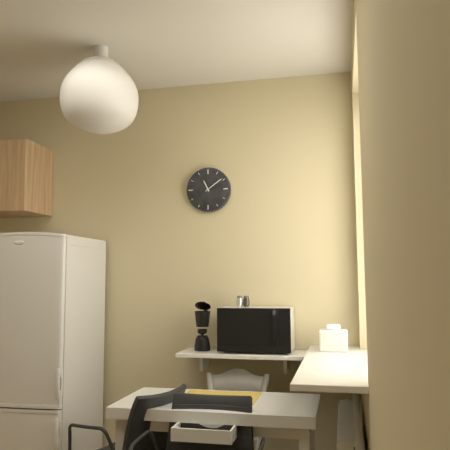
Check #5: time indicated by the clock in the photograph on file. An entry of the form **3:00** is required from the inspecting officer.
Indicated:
**11:09**
